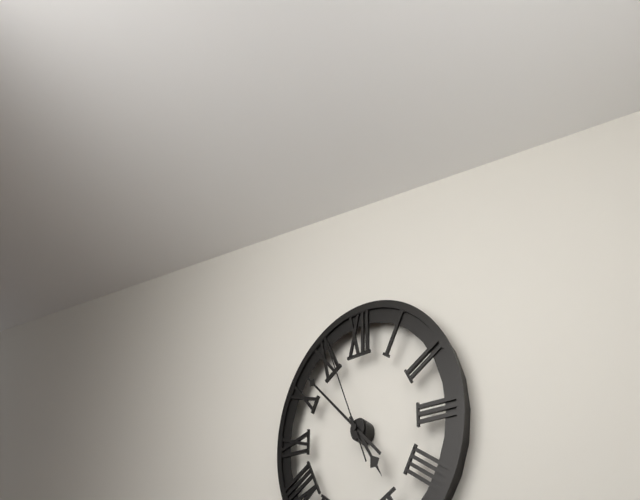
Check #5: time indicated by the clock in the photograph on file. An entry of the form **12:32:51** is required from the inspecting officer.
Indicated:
**4:52:56**
